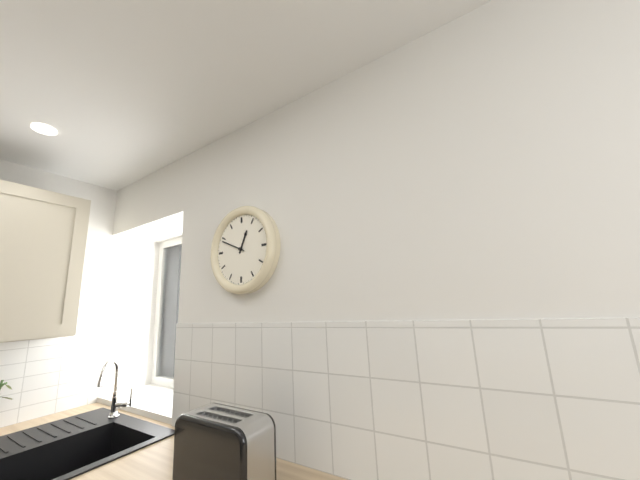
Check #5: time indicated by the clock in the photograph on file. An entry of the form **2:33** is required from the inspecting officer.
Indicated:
**12:49**
